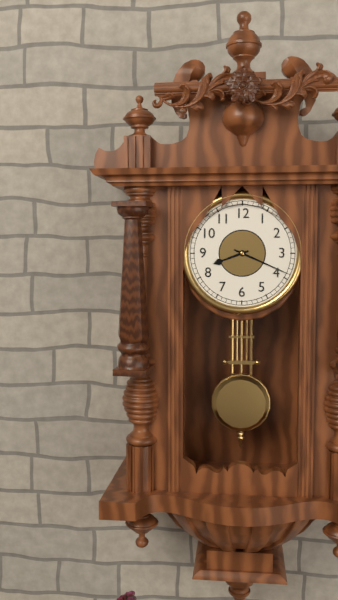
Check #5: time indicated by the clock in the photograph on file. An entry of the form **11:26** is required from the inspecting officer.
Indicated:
**8:19**
